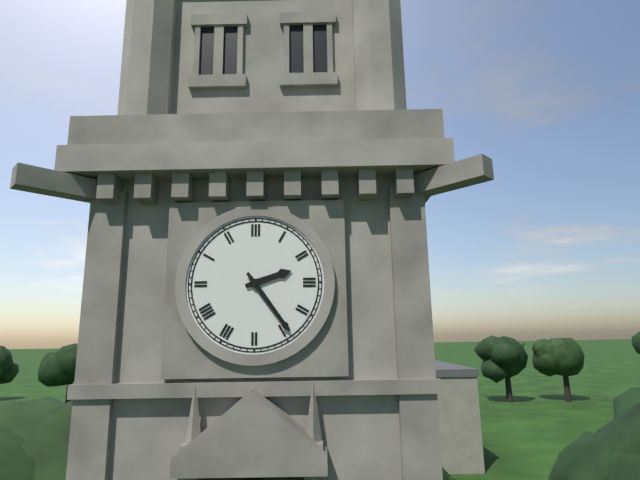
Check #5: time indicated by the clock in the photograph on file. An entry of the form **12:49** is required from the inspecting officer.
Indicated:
**2:24**
